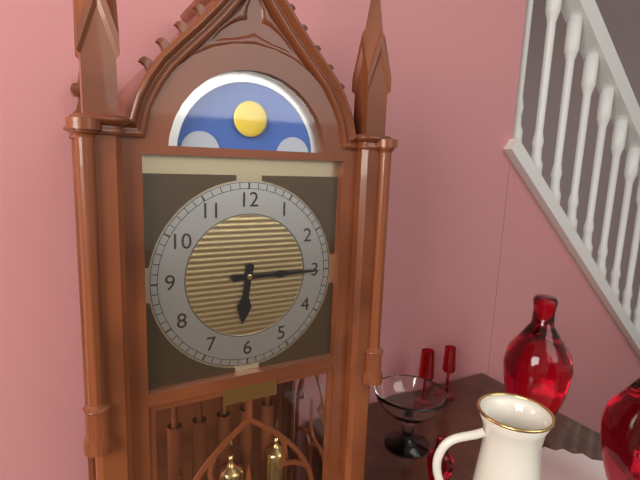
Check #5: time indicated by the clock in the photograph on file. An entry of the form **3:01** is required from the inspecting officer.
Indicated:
**6:15**
